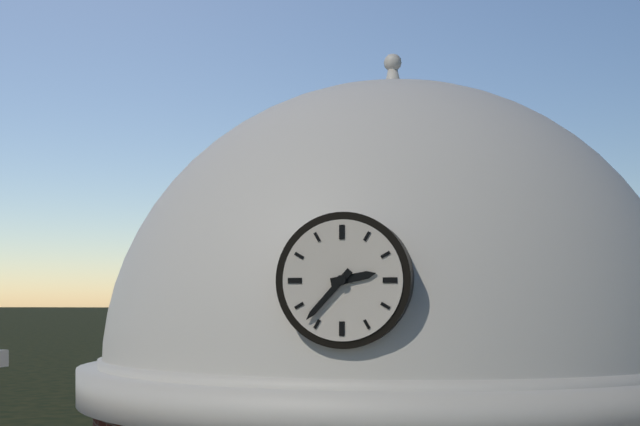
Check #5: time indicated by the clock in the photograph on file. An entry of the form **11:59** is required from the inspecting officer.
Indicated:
**2:37**
